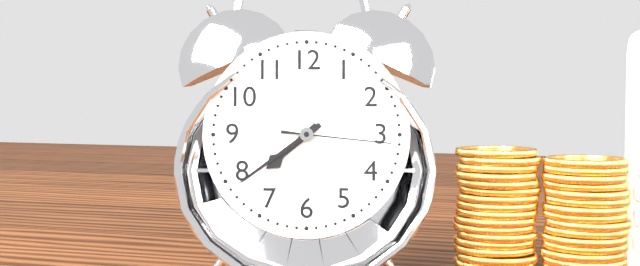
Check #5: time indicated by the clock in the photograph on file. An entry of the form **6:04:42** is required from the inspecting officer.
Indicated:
**7:39:16**
